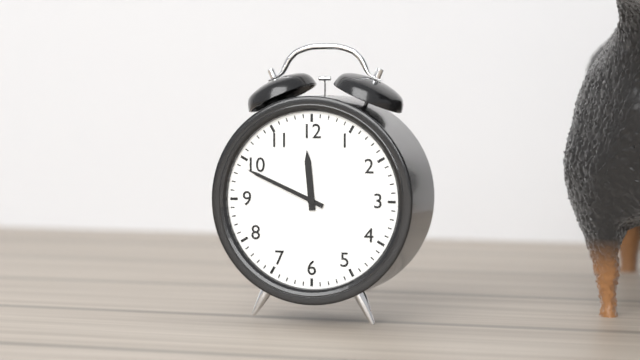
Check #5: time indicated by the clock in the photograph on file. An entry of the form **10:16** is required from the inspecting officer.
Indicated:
**11:49**
